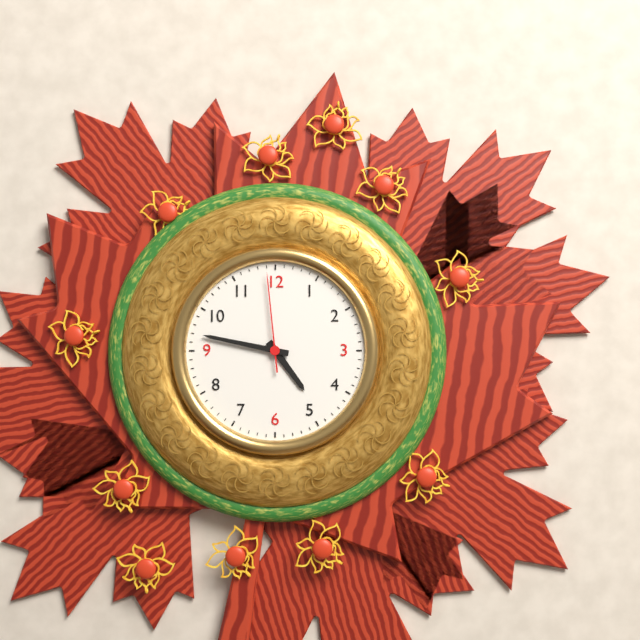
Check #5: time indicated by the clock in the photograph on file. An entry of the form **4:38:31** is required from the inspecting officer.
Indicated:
**4:47:59**
